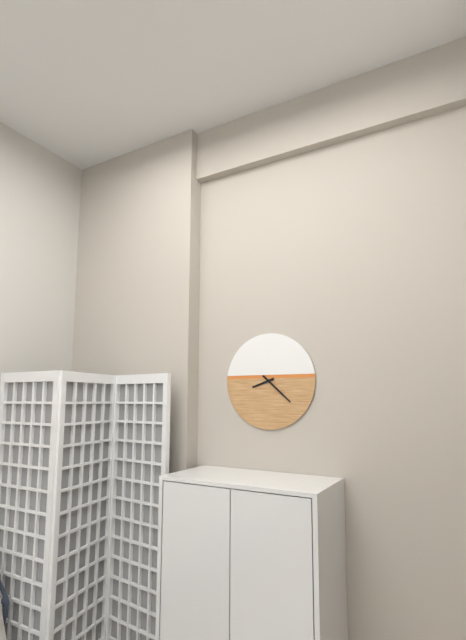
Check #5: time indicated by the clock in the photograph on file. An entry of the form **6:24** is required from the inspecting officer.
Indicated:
**8:22**
